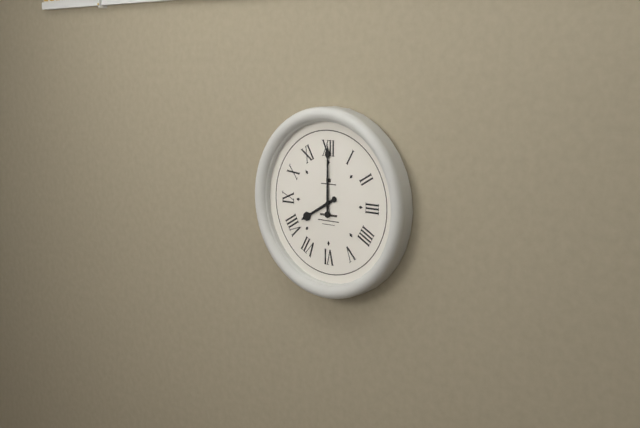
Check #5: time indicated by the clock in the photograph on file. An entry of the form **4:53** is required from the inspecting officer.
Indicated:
**8:00**
